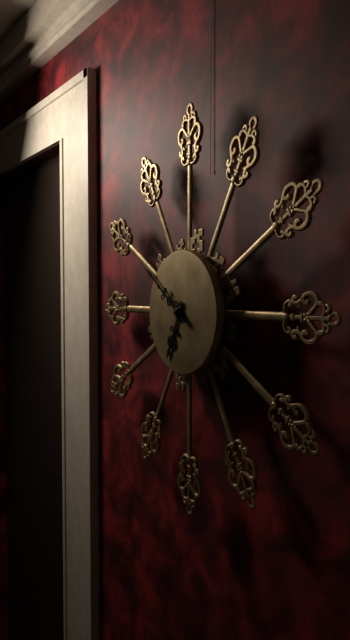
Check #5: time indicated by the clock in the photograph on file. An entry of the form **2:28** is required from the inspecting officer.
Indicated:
**6:51**
